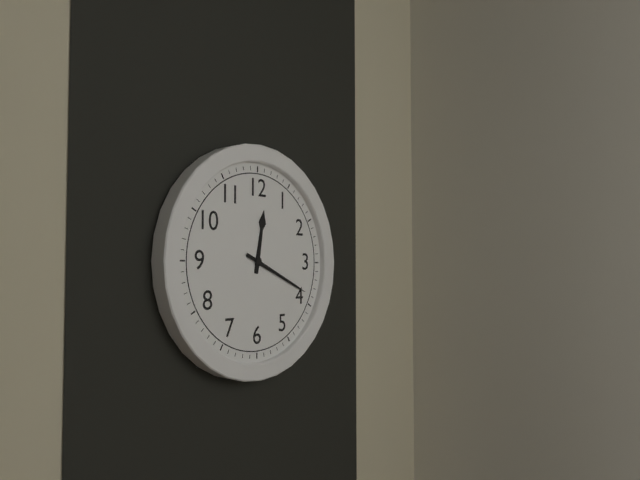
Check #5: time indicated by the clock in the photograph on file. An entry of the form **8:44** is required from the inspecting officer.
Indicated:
**12:19**
